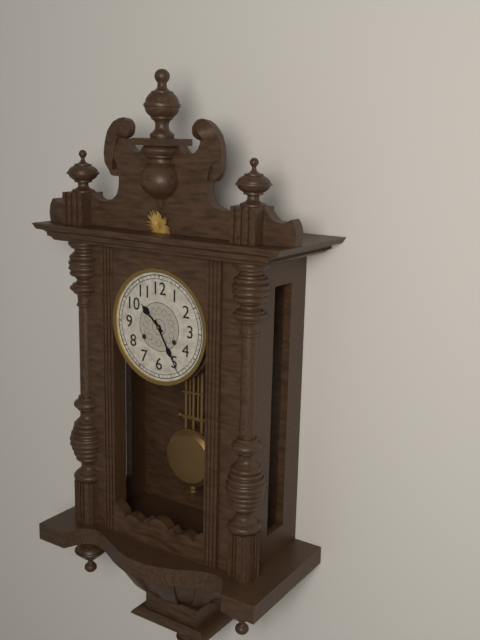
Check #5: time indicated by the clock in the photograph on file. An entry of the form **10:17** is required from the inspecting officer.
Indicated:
**10:25**
